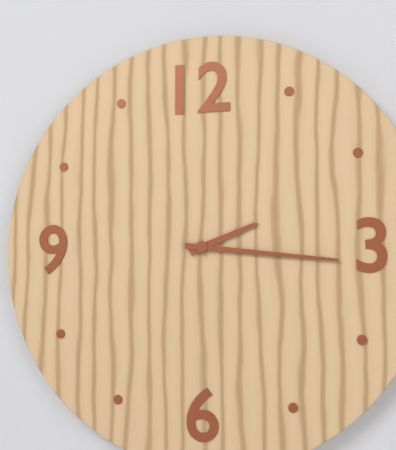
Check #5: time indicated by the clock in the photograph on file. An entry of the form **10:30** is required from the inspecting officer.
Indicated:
**2:16**
